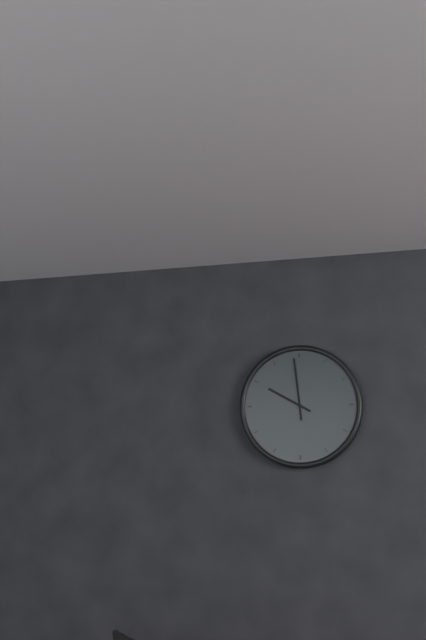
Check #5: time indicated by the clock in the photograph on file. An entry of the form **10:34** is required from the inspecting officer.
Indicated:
**9:59**
